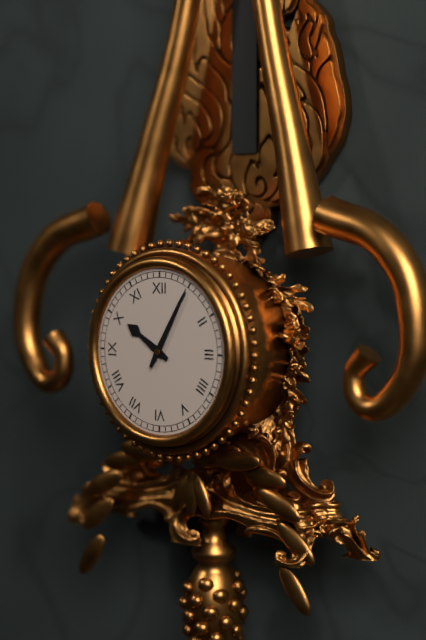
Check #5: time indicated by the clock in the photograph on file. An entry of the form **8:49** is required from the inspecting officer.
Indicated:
**10:05**
